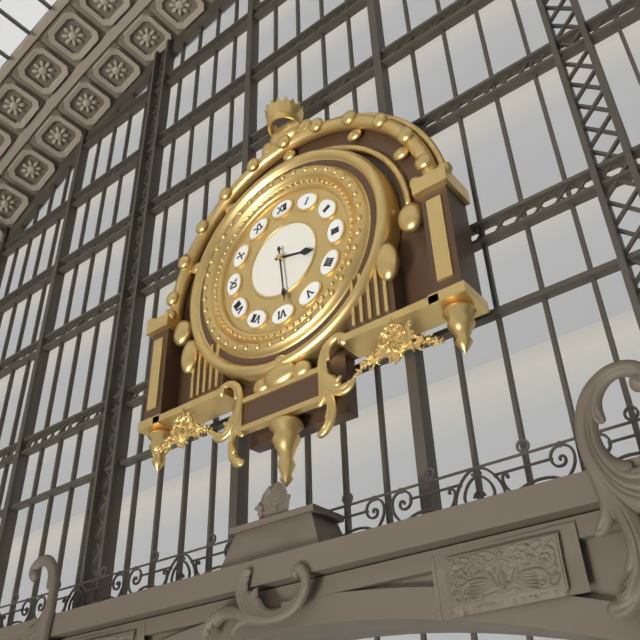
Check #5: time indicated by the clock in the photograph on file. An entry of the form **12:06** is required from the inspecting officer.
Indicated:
**3:29**
